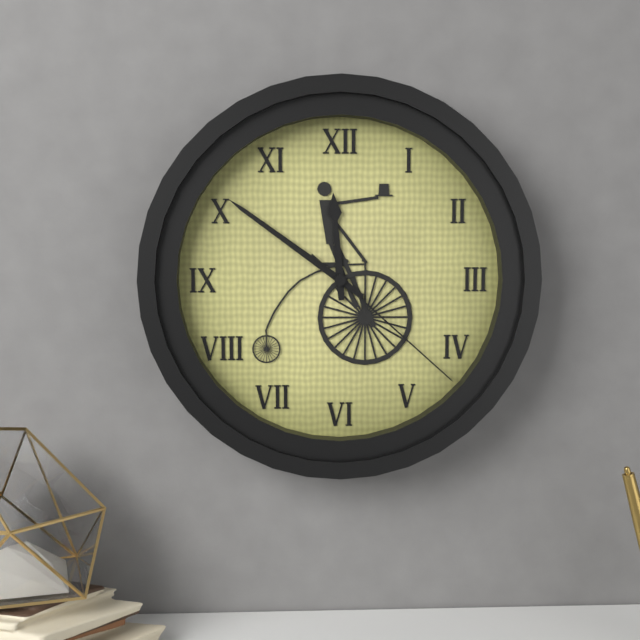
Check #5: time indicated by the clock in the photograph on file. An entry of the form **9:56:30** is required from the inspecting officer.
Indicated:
**11:51:22**
